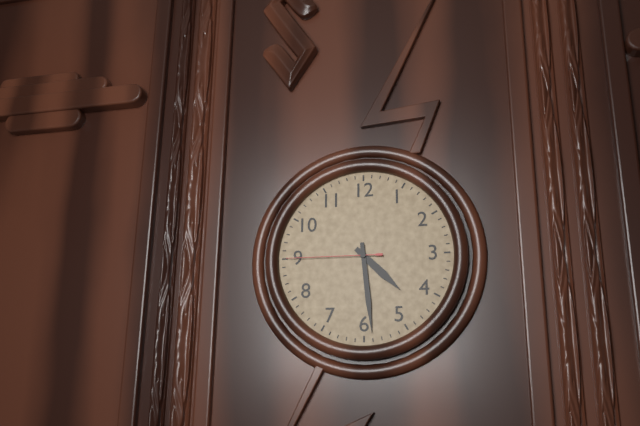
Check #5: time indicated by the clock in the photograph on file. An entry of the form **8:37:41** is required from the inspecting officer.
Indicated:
**4:29:45**
